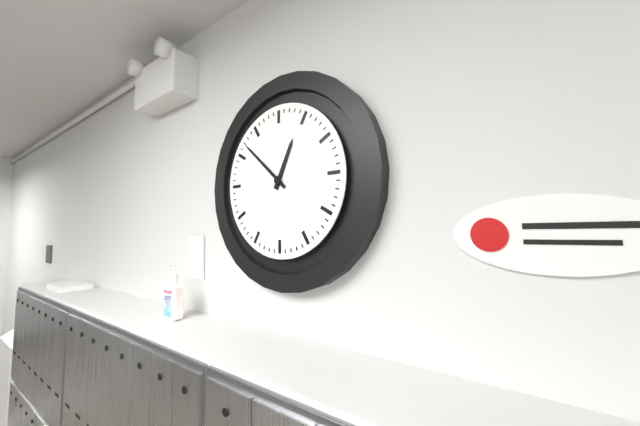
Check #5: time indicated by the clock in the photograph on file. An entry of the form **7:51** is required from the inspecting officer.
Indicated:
**12:52**
